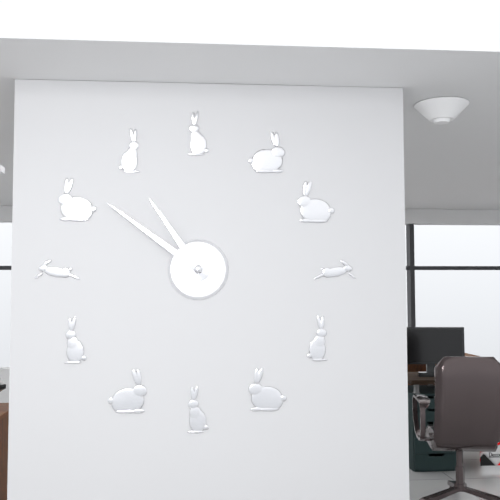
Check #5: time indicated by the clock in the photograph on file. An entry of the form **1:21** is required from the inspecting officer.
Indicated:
**10:51**
